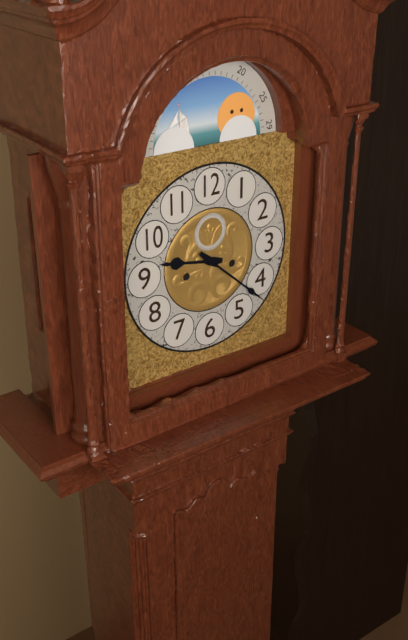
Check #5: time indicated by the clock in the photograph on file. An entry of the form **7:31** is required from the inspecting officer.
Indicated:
**9:22**
